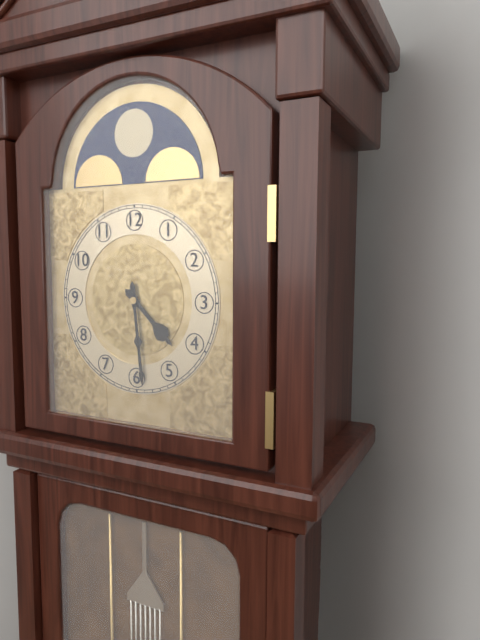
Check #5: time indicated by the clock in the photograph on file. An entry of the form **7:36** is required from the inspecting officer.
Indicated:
**4:29**
